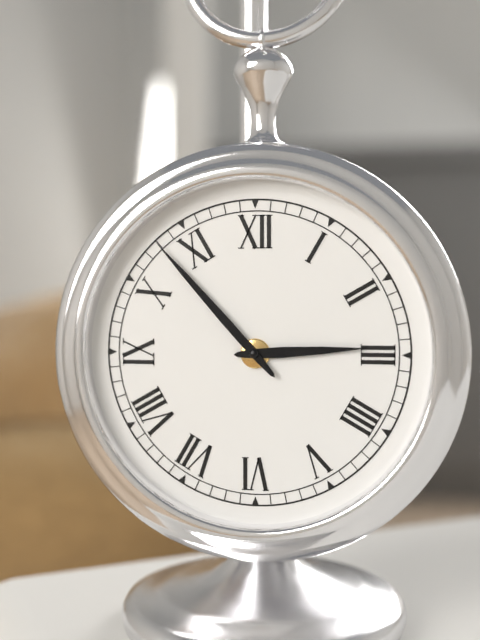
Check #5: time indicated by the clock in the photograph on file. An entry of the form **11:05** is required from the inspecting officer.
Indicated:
**2:53**
